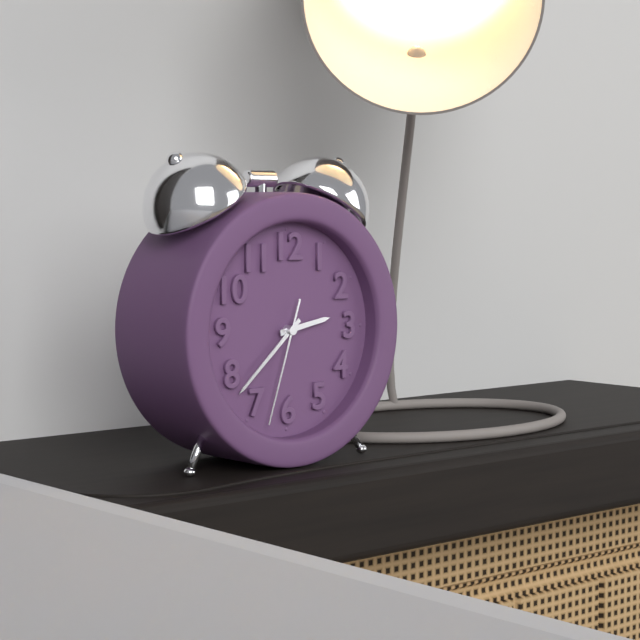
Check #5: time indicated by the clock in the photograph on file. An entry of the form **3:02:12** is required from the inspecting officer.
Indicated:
**2:38:33**
